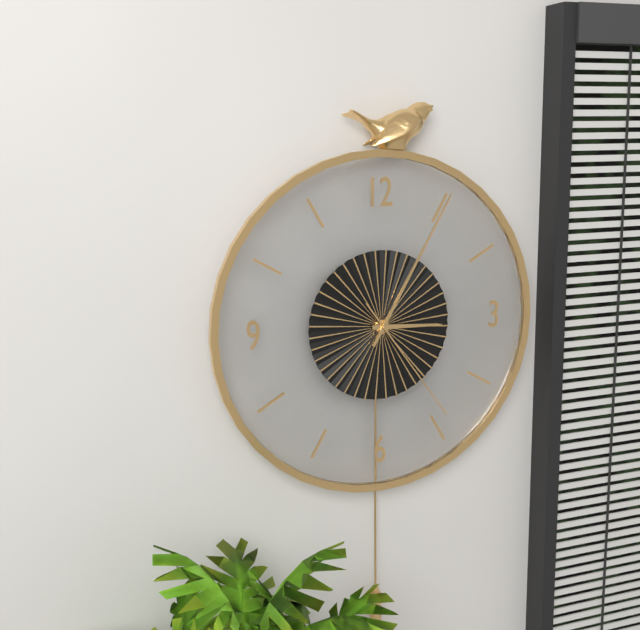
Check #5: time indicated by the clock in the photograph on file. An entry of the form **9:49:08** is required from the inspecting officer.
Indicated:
**3:05:24**
